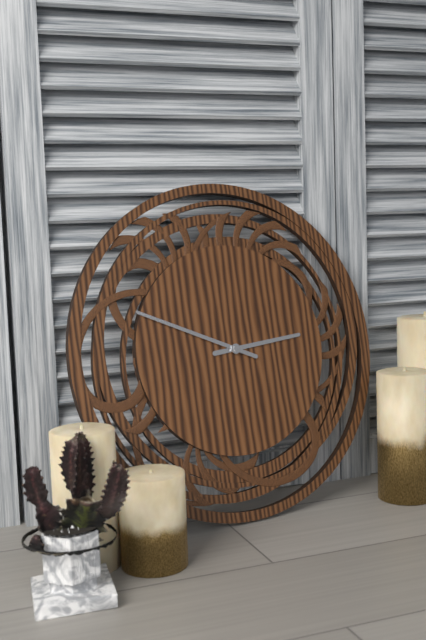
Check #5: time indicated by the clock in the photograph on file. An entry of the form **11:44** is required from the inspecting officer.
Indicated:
**2:49**
